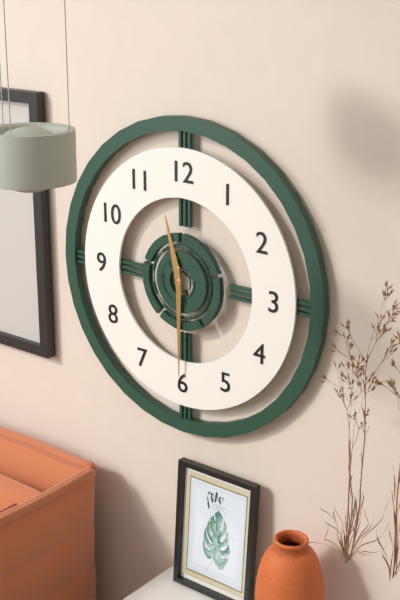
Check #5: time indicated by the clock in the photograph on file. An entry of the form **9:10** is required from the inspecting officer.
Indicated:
**11:30**
